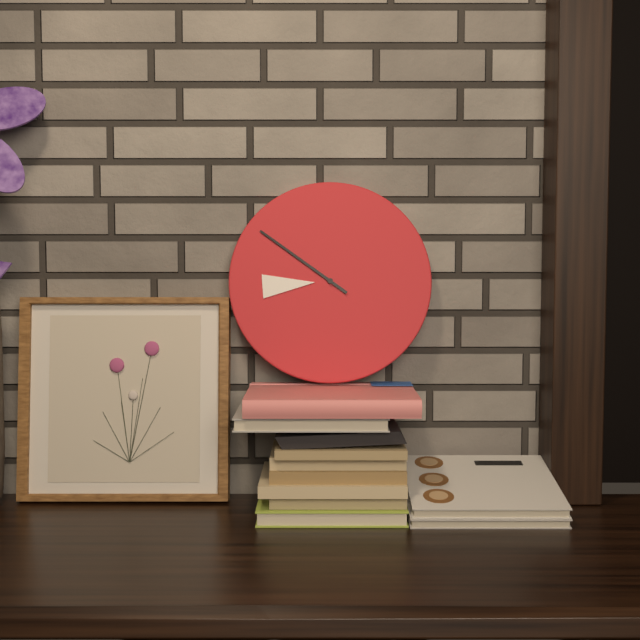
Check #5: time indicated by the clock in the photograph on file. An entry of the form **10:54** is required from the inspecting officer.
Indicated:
**8:51**
